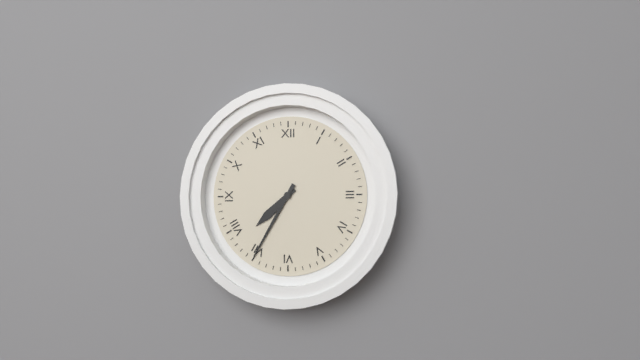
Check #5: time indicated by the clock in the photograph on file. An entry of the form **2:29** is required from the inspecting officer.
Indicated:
**7:35**
